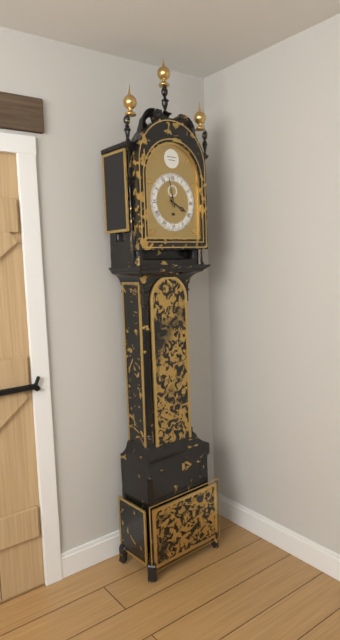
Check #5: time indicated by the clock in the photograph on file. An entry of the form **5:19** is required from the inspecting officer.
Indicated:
**3:58**
